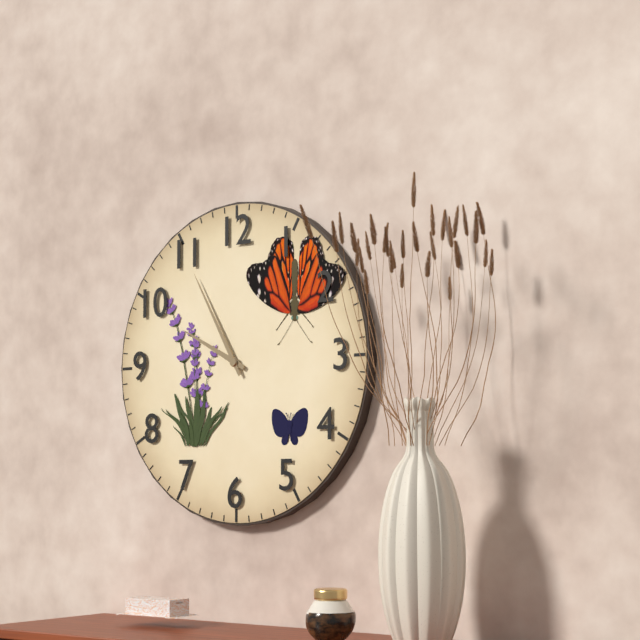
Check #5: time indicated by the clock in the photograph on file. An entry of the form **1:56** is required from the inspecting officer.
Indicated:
**9:55**
